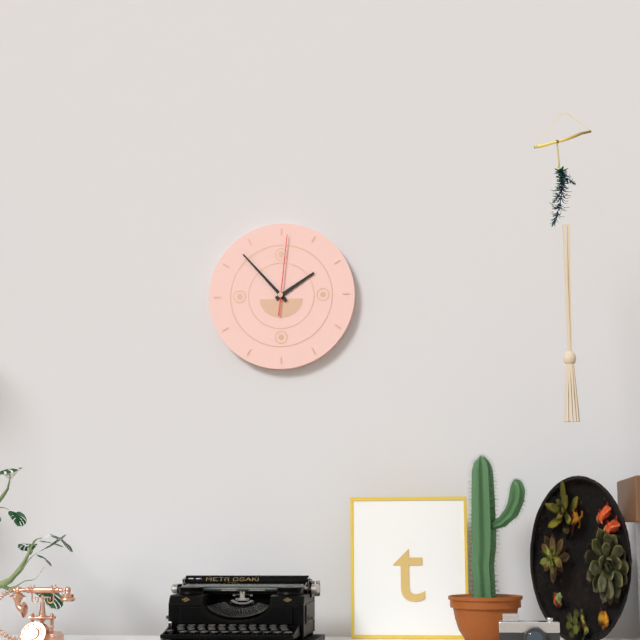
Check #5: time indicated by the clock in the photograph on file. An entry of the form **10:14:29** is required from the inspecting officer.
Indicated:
**1:53:01**
